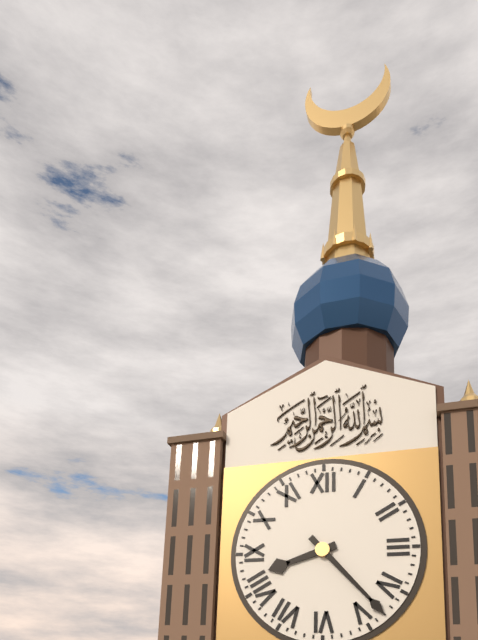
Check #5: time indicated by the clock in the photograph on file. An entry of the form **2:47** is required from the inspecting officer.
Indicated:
**8:23**
